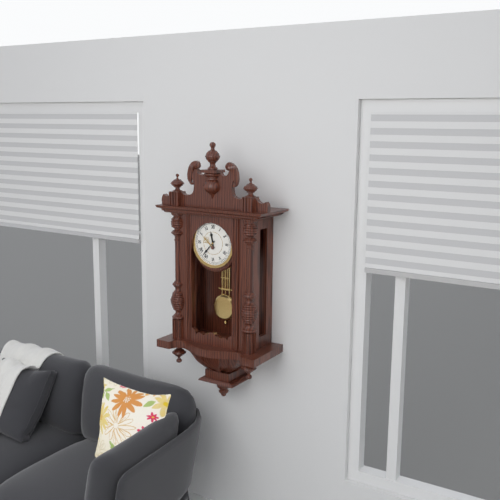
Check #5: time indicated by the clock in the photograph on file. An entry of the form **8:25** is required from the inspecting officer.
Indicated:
**11:37**
